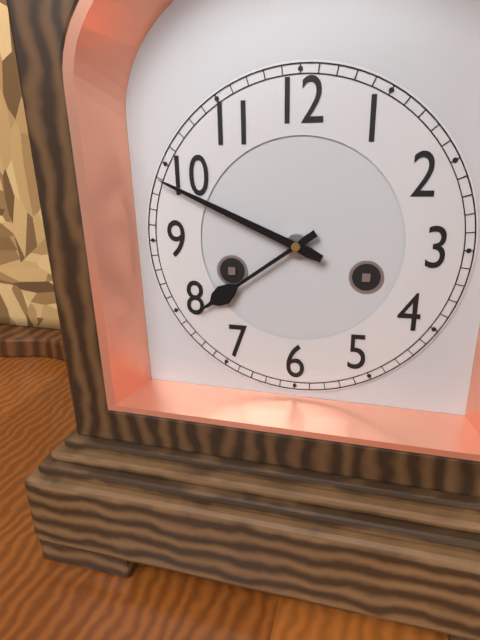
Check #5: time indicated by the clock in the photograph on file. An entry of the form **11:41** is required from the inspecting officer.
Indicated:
**7:49**
